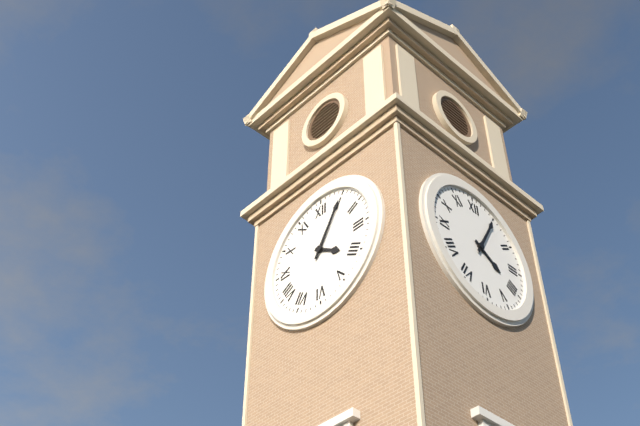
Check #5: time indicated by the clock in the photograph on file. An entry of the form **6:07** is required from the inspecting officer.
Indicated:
**4:05**
